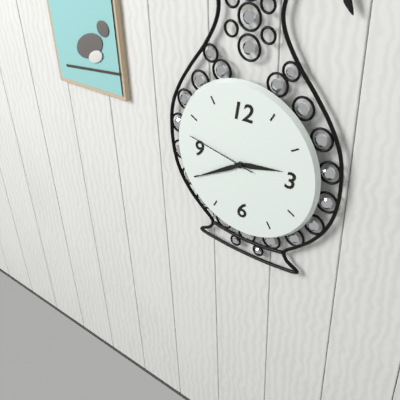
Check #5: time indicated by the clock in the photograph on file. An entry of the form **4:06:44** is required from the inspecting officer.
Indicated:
**2:40:47**
